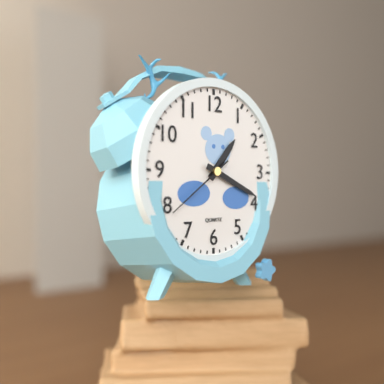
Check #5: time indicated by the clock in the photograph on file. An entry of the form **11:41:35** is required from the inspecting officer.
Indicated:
**1:19:39**
